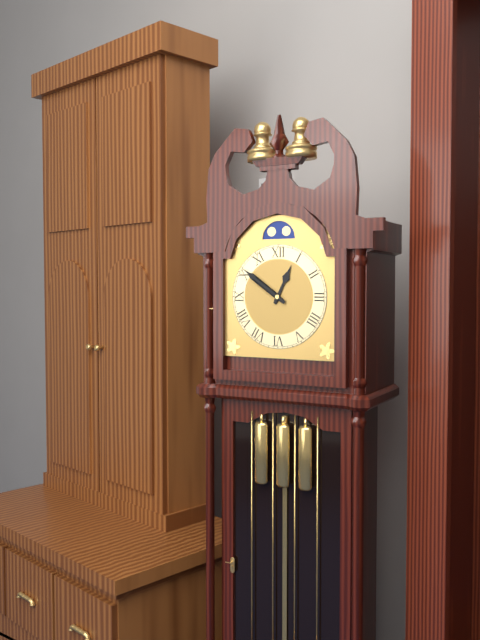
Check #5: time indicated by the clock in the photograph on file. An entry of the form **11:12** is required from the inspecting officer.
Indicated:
**12:51**
